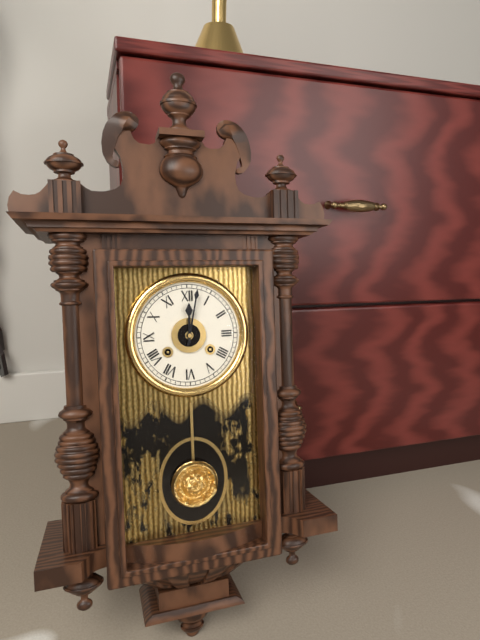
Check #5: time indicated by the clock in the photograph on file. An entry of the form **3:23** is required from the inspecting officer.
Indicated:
**12:02**
